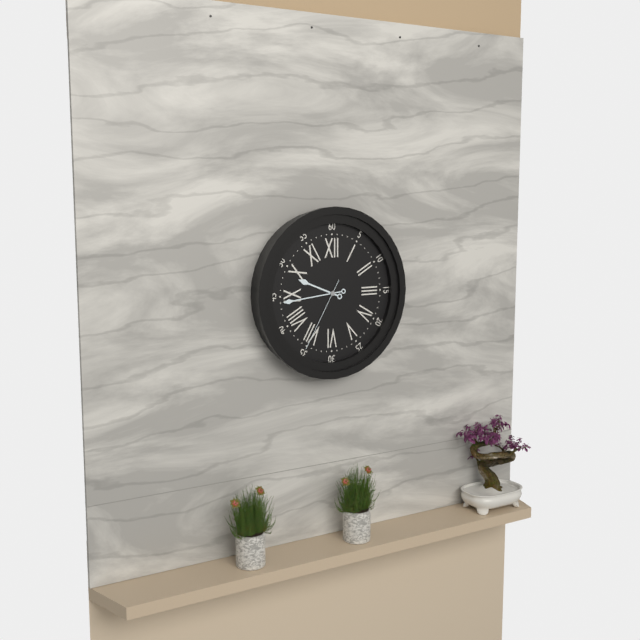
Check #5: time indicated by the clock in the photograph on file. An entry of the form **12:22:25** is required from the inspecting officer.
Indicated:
**9:44:35**
